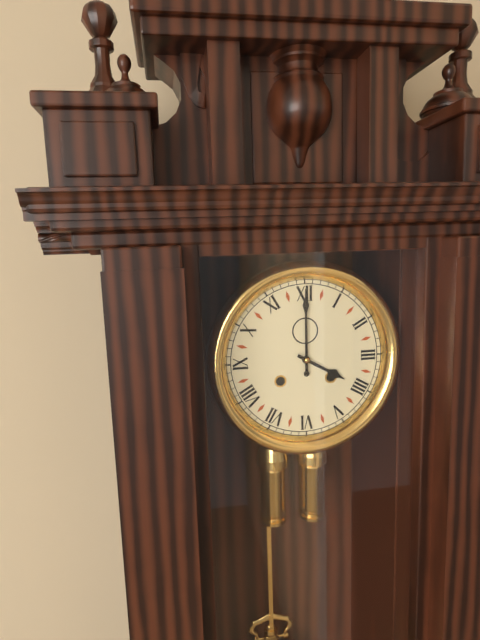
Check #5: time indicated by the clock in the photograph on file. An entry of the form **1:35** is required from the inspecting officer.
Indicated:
**4:00**
